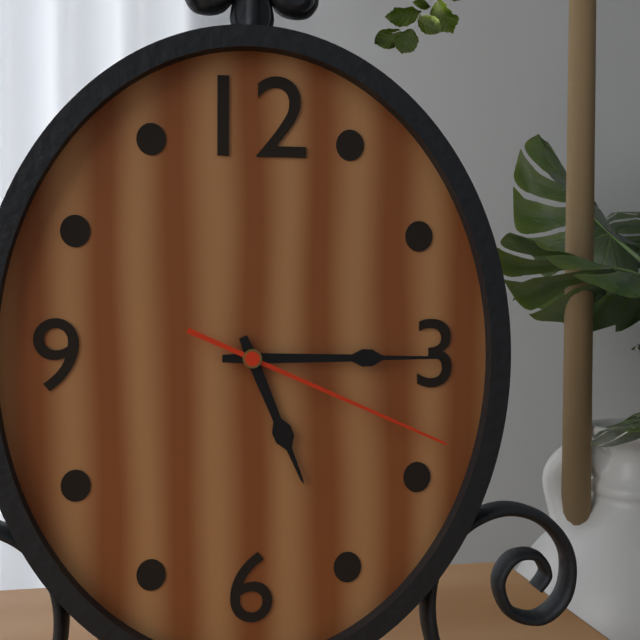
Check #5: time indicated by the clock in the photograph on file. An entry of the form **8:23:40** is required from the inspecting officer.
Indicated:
**5:15:19**
